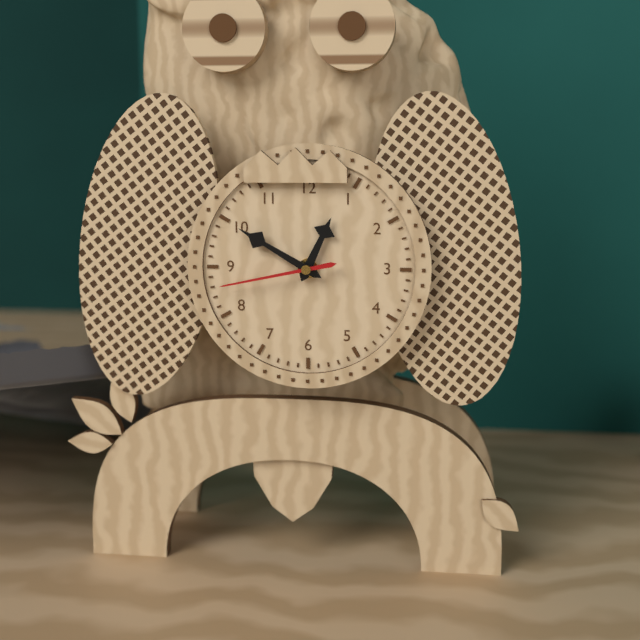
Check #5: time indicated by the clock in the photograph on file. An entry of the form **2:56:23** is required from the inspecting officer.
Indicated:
**12:50:43**
